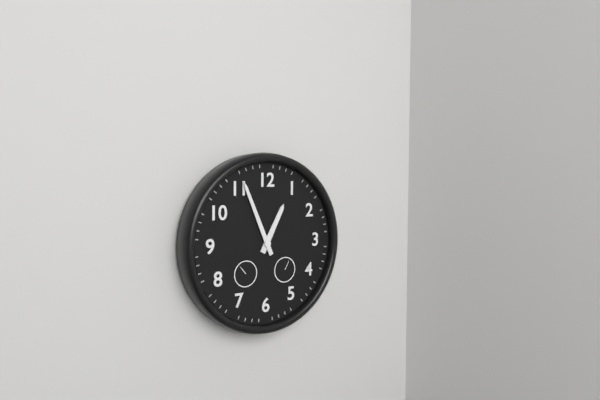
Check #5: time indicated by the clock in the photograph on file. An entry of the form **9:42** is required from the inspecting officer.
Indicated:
**12:56**
